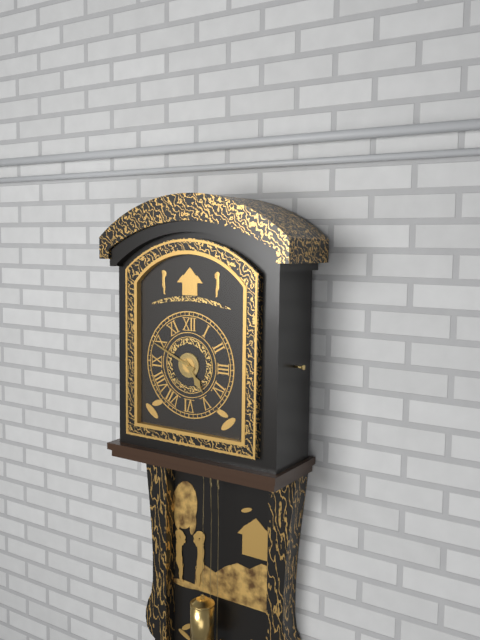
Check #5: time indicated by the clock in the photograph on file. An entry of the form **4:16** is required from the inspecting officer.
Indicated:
**4:49**
